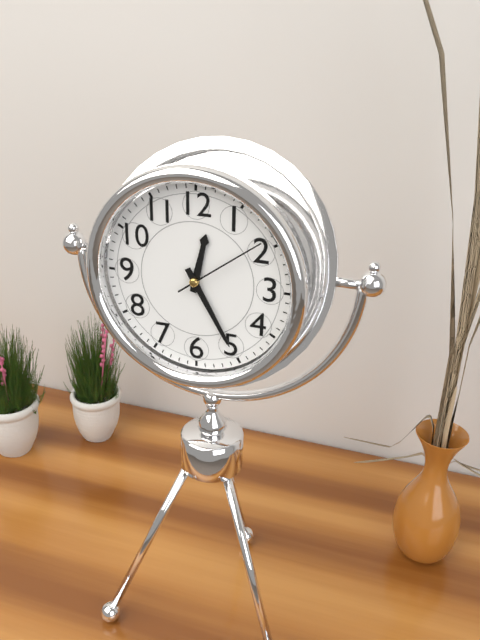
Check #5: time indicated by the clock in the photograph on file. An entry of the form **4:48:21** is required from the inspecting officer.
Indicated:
**12:25:09**
